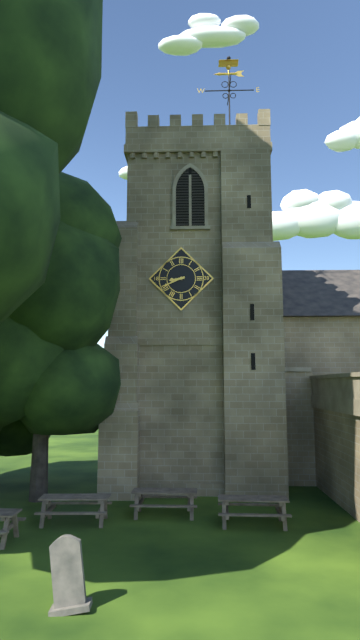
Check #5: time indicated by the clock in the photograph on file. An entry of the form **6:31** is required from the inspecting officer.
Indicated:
**8:41**
